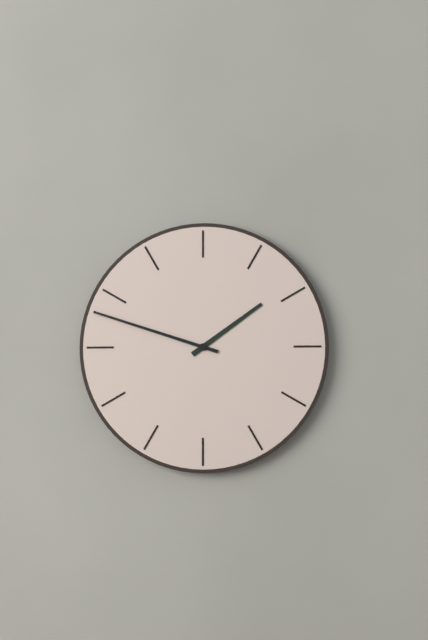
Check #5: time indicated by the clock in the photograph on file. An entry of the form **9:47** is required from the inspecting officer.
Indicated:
**1:48**
